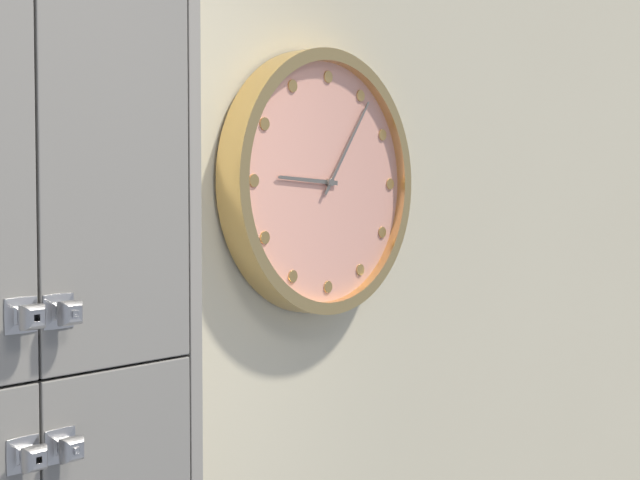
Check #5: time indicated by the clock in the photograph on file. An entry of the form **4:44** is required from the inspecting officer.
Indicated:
**9:06**
